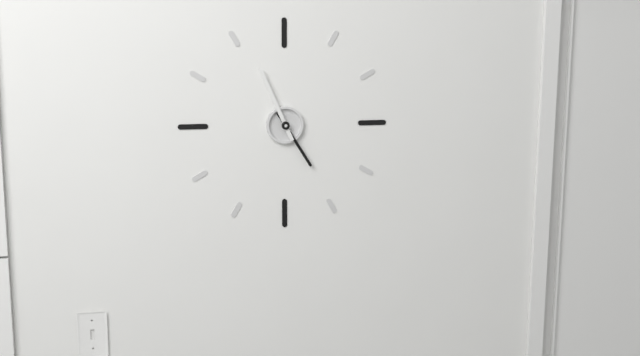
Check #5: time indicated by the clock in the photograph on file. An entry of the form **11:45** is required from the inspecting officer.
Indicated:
**4:56**
